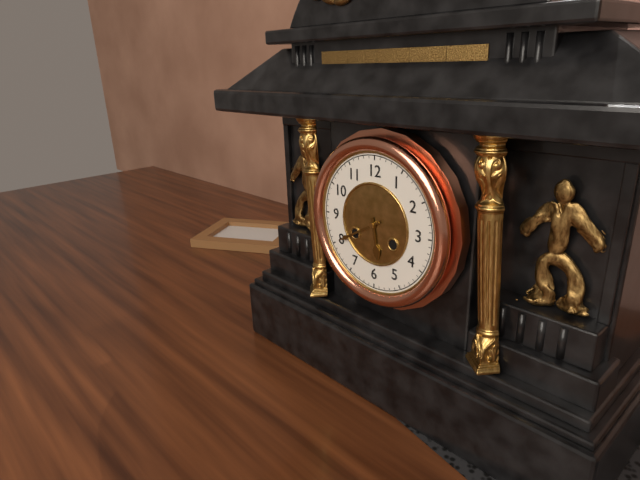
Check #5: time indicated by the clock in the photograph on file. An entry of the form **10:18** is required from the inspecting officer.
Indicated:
**5:40**
